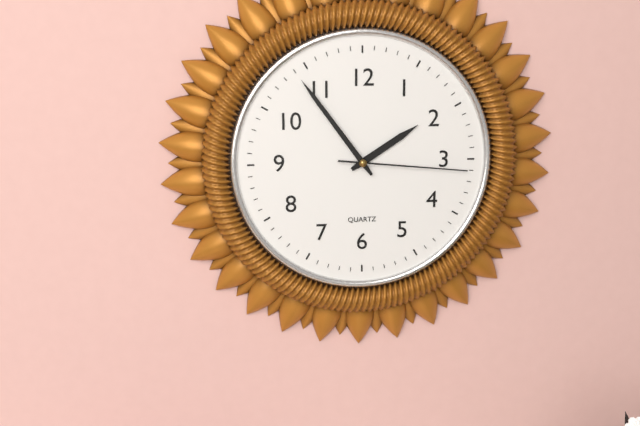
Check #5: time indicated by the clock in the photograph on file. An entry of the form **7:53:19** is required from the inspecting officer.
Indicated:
**1:54:16**
